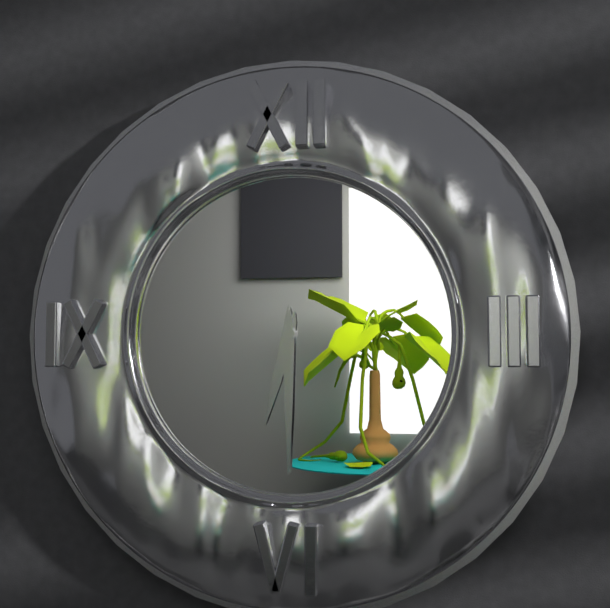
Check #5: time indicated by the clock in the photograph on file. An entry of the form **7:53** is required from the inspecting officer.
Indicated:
**6:30**
